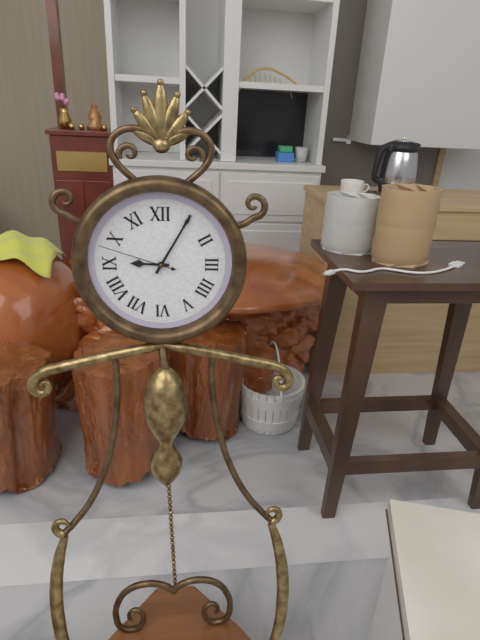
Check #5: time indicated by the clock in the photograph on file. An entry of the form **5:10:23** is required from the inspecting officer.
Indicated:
**9:05:48**
